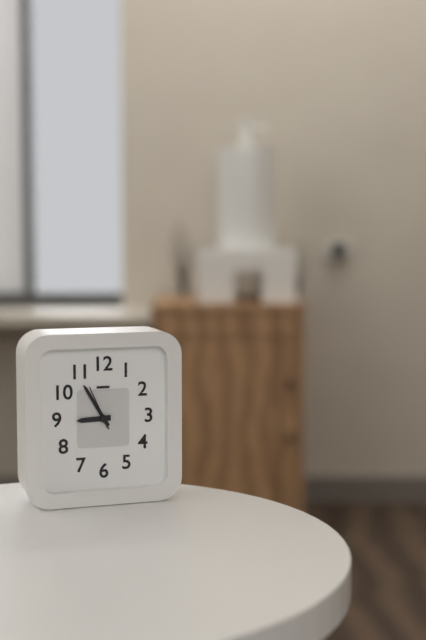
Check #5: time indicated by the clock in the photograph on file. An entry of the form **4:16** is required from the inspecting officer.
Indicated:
**8:55**
